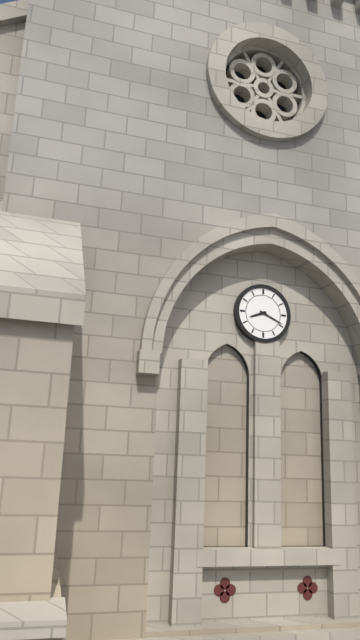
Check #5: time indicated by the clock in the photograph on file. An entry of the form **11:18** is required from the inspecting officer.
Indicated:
**8:19**
